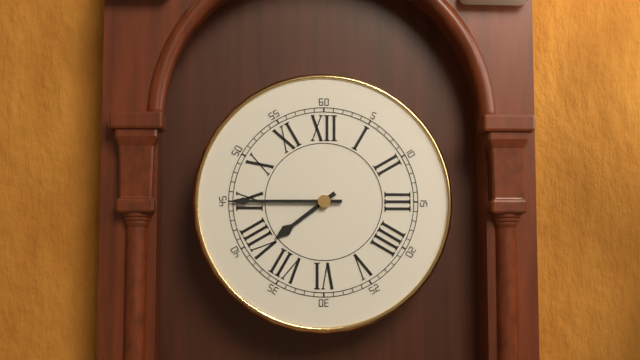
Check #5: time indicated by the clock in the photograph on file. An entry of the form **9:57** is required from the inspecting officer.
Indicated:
**7:45**
